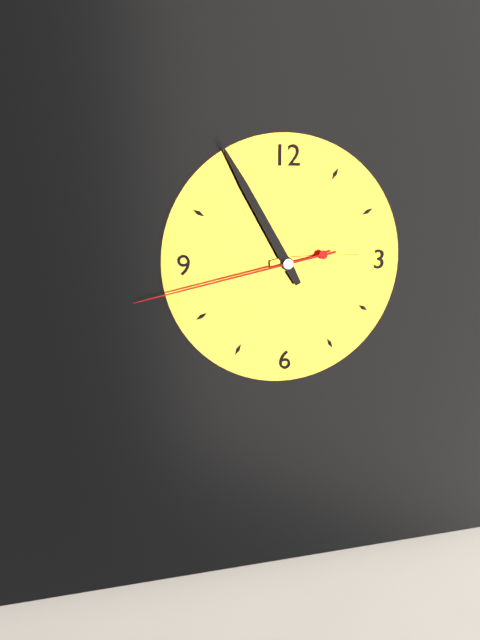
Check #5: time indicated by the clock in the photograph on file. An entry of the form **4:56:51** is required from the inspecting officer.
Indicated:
**2:55:43**
